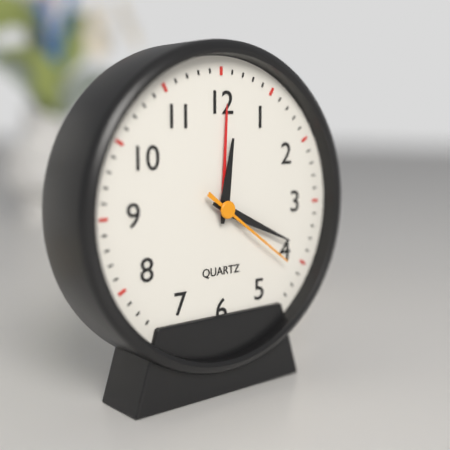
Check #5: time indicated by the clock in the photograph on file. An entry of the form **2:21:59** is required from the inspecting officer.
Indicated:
**12:19:21**
